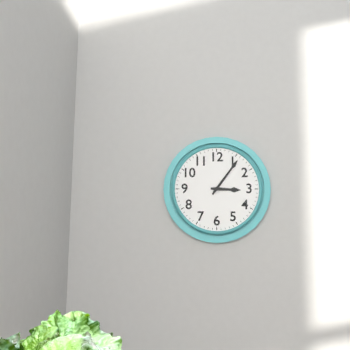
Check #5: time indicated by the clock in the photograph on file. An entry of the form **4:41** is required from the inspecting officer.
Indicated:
**3:06**
